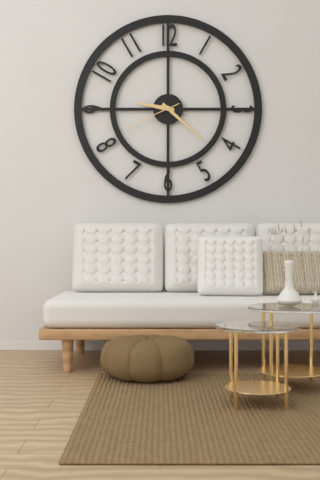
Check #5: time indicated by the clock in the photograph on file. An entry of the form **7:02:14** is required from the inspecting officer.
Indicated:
**9:22:41**
